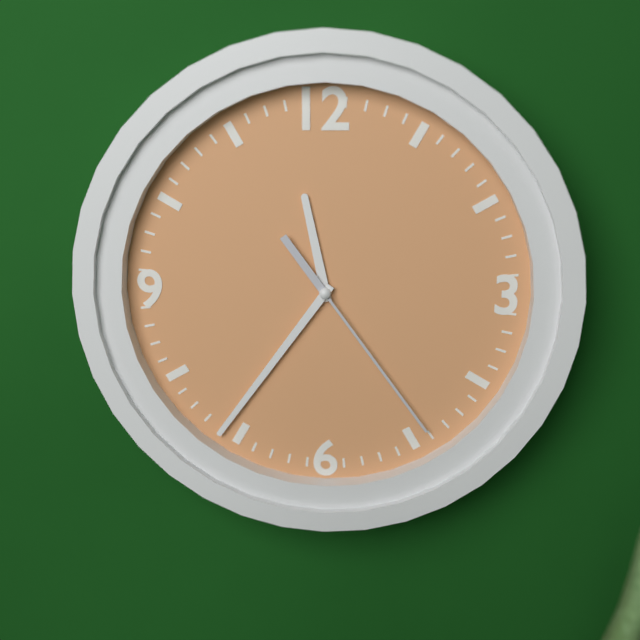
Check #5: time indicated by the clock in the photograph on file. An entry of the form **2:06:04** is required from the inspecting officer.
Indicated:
**11:36:24**
